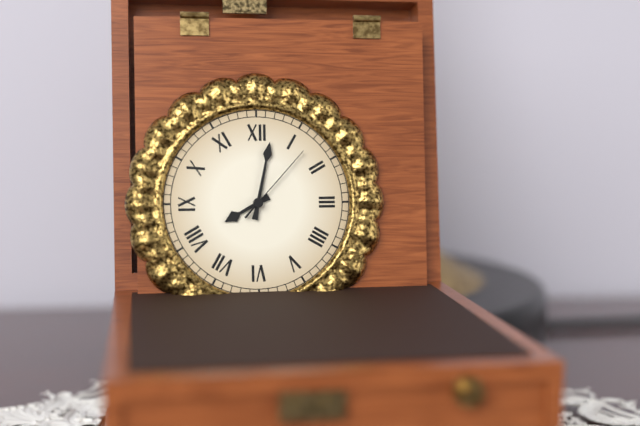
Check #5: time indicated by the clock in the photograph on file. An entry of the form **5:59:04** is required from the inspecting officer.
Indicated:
**8:02:07**
